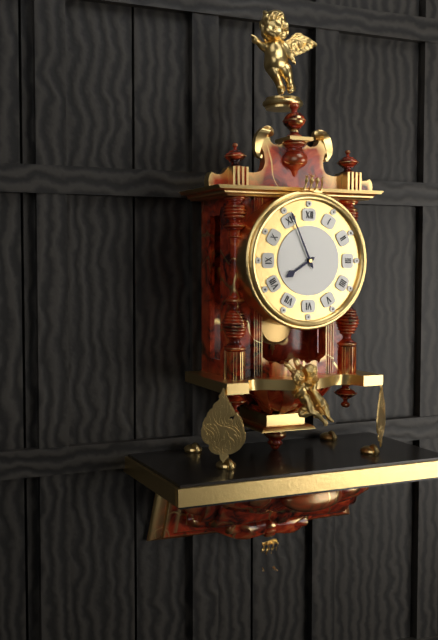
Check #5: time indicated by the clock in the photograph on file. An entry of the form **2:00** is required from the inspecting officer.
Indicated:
**7:56**
